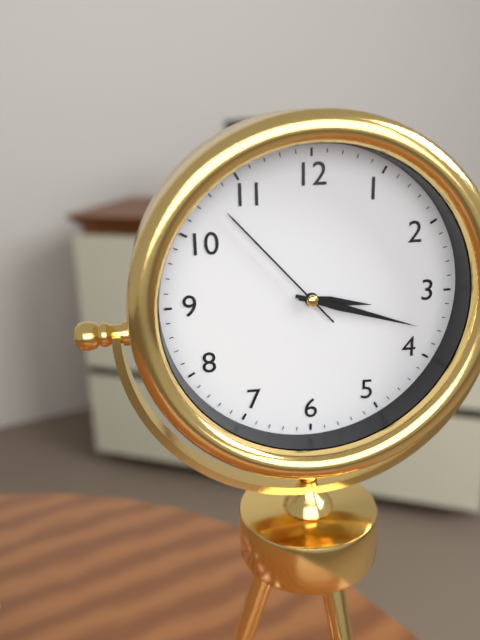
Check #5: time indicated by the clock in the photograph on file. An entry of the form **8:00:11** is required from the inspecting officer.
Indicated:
**3:18:53**
